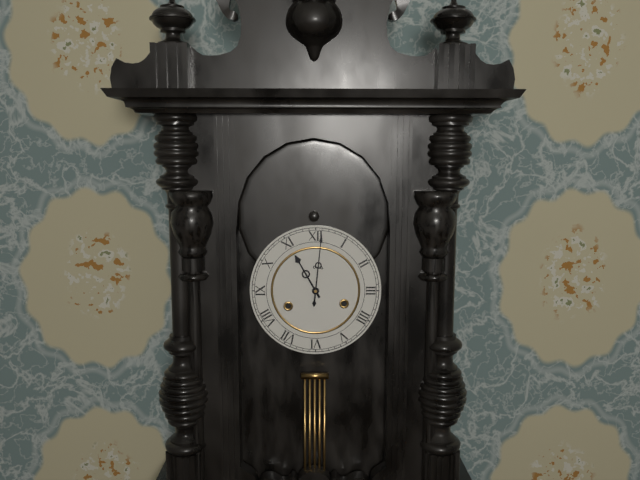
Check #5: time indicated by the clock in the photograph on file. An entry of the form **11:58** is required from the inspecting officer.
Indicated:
**11:01**
